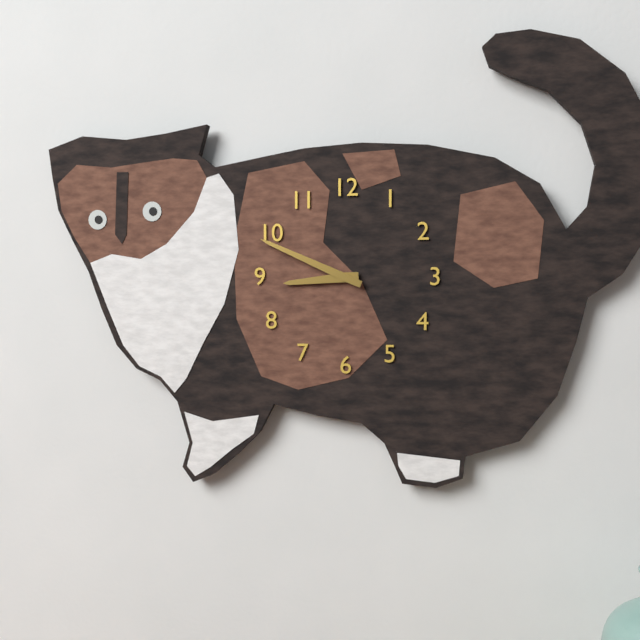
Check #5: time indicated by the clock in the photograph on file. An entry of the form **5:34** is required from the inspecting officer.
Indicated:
**8:49**
